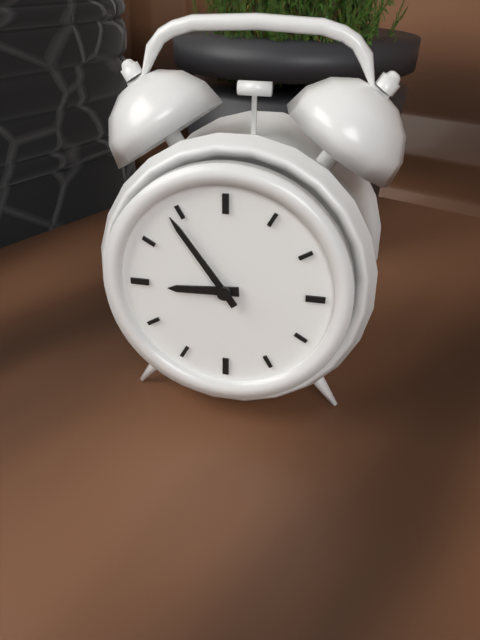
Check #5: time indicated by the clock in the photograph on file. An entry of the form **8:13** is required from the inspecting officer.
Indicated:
**8:54**
